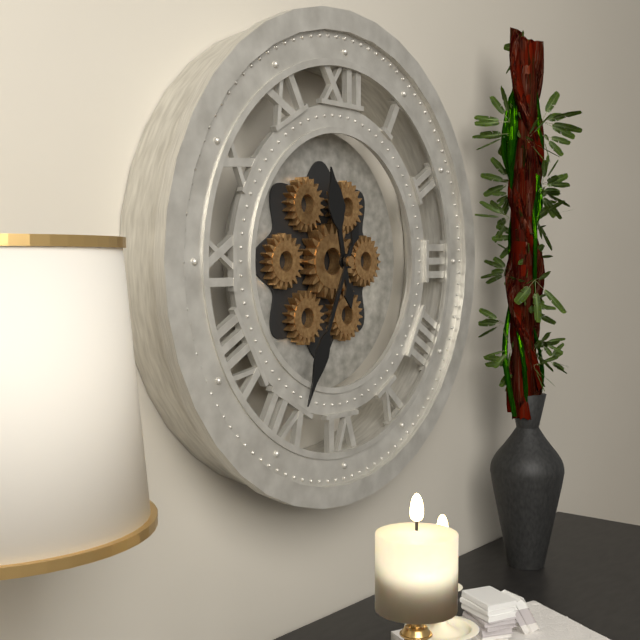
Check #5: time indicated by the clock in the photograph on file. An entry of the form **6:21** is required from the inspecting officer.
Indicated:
**11:34**
